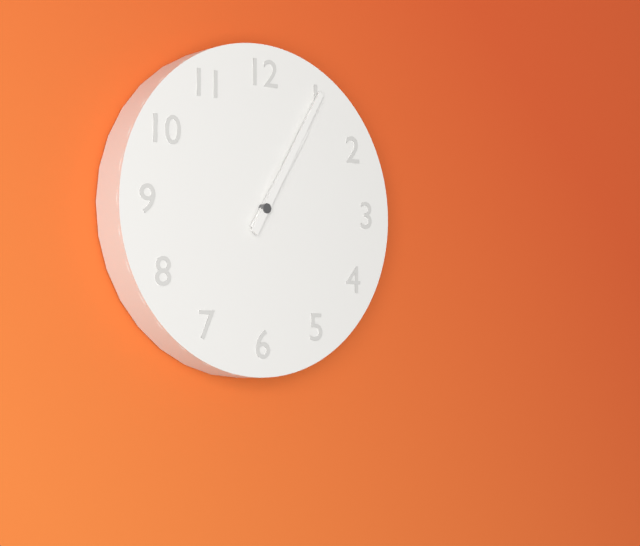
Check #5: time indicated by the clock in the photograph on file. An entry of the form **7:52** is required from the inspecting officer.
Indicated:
**1:05**
